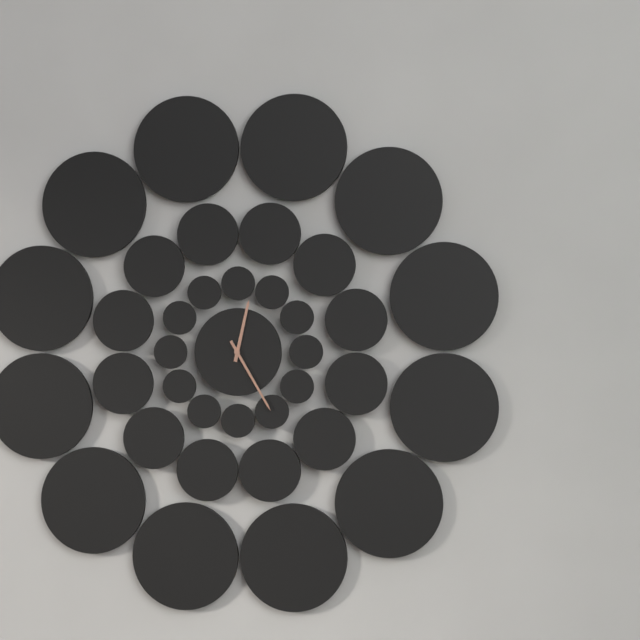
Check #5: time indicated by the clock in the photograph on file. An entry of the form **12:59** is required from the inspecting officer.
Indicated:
**12:25**
